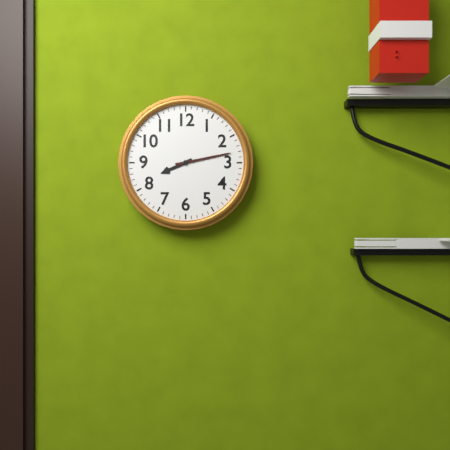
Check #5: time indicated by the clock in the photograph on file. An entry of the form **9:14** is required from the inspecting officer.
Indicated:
**8:13**
